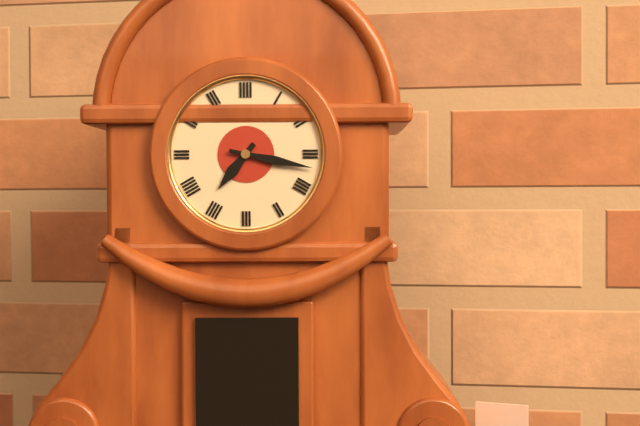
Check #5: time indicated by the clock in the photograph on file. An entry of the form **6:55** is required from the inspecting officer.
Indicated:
**7:17**
